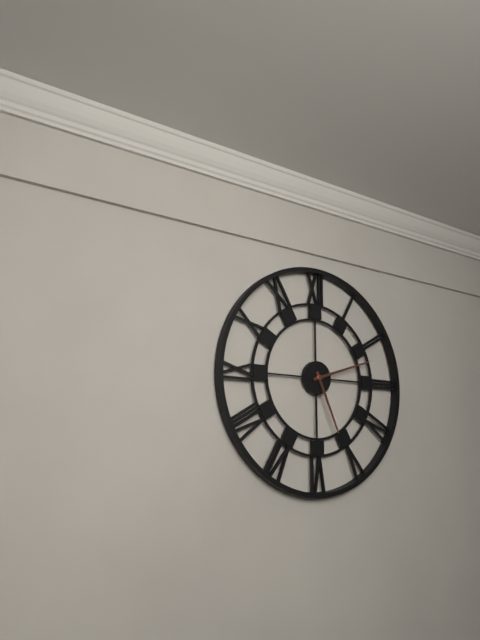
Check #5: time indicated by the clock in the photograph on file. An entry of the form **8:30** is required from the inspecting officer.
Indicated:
**5:12**
